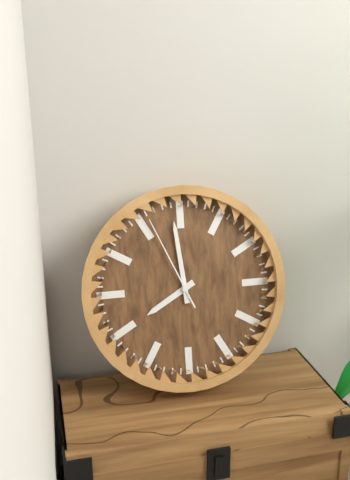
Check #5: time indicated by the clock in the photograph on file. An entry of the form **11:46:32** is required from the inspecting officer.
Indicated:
**7:59:56**
